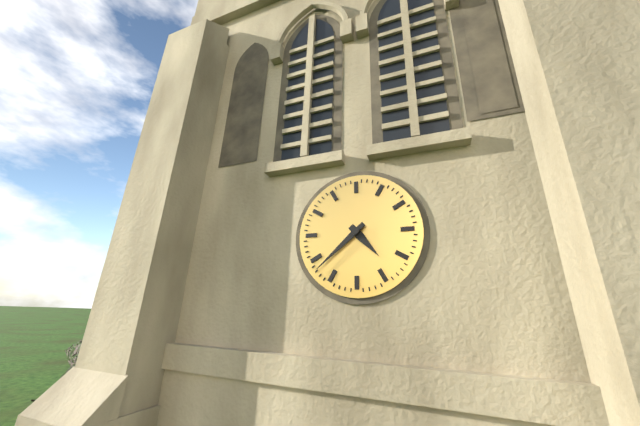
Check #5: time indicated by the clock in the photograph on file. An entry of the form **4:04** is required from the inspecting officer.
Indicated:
**4:38**
